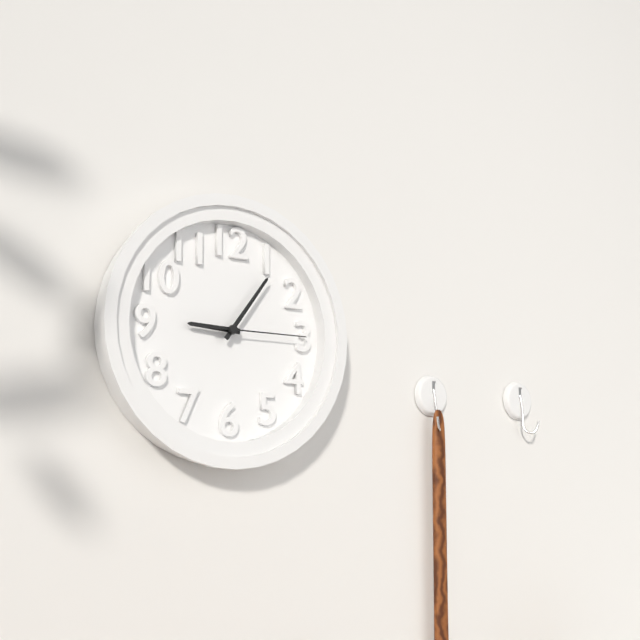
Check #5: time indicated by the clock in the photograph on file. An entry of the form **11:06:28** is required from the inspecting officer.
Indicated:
**9:06:15**
